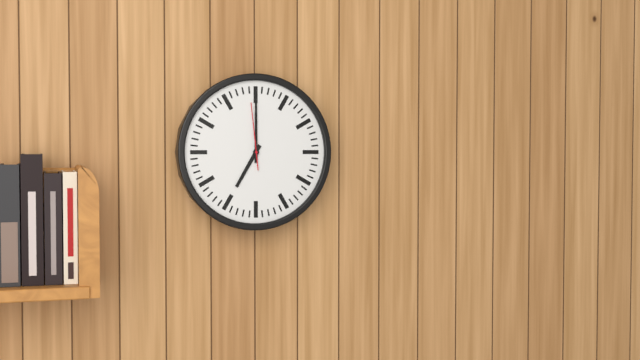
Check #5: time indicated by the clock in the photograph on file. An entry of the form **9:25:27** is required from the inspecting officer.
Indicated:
**7:00:59**
